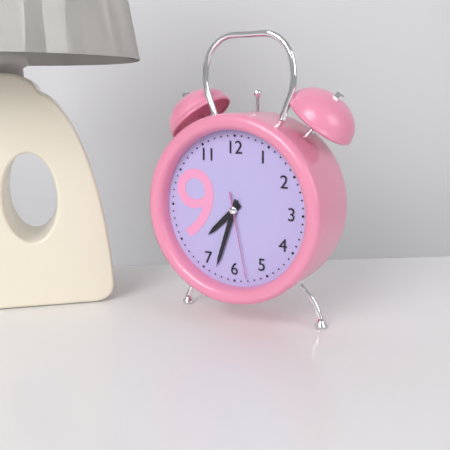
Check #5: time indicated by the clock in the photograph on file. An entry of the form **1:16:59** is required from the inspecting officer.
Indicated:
**7:33:28**
